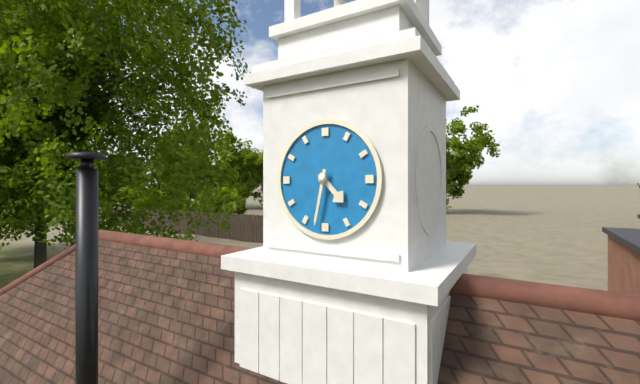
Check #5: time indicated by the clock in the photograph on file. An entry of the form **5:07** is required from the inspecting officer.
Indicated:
**4:32**
